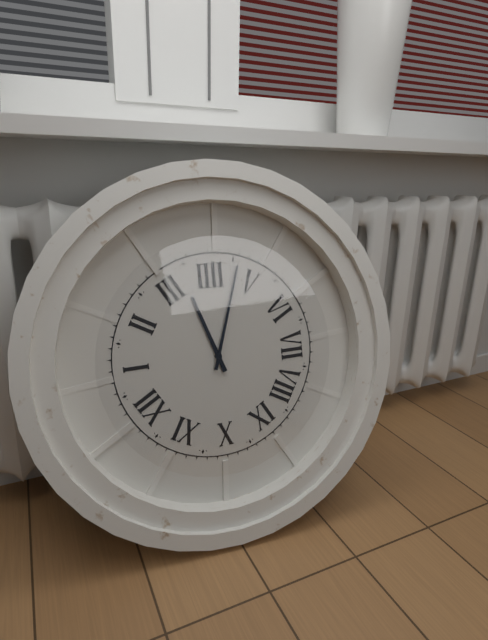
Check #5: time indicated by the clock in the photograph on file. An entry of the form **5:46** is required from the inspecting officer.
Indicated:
**3:23**
